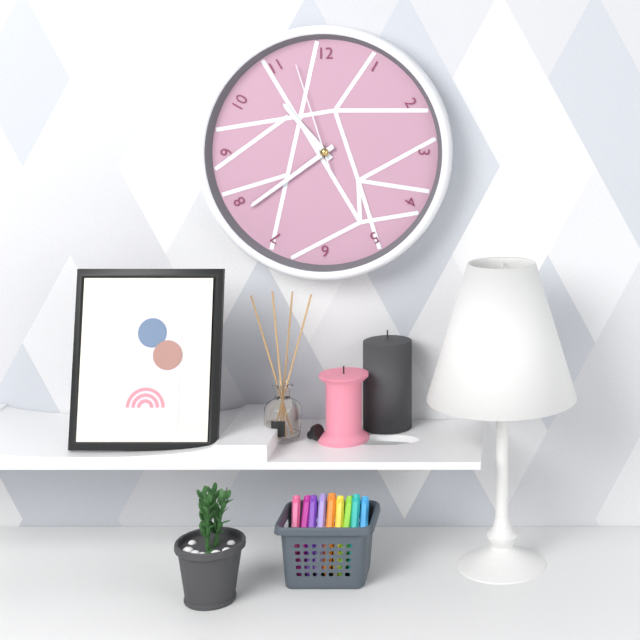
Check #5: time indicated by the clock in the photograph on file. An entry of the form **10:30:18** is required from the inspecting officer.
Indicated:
**10:39:57**
